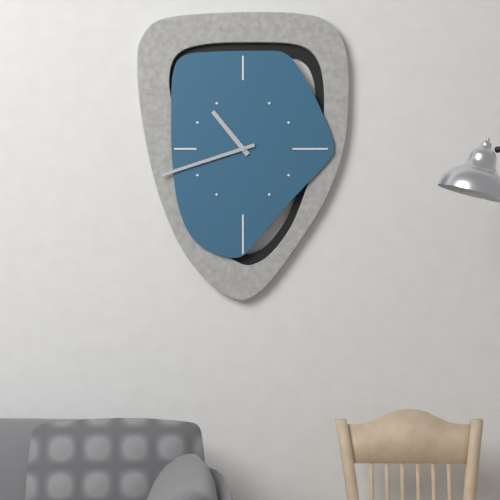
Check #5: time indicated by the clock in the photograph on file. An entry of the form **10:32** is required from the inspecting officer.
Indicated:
**10:42**
